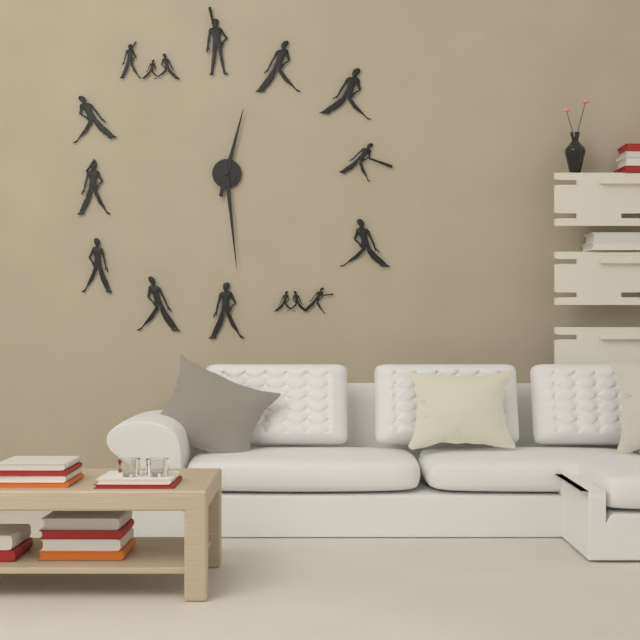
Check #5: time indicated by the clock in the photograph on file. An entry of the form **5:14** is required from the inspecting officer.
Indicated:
**12:29**
